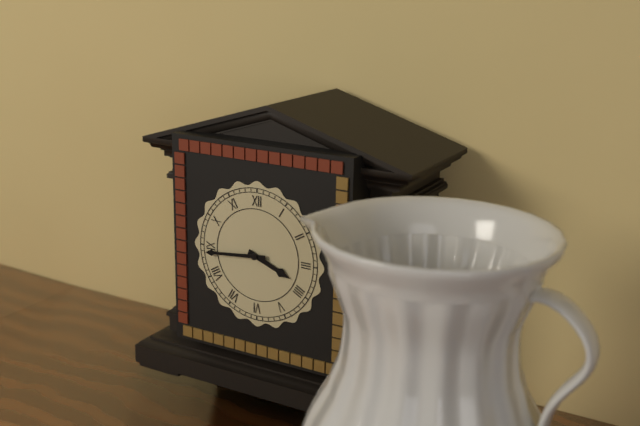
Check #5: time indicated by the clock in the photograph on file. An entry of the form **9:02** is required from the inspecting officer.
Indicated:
**3:44**
